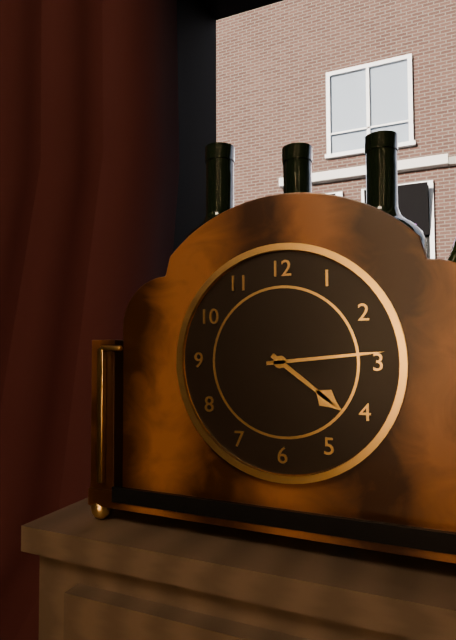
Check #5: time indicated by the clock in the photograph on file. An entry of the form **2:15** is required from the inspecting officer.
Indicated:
**4:14**
